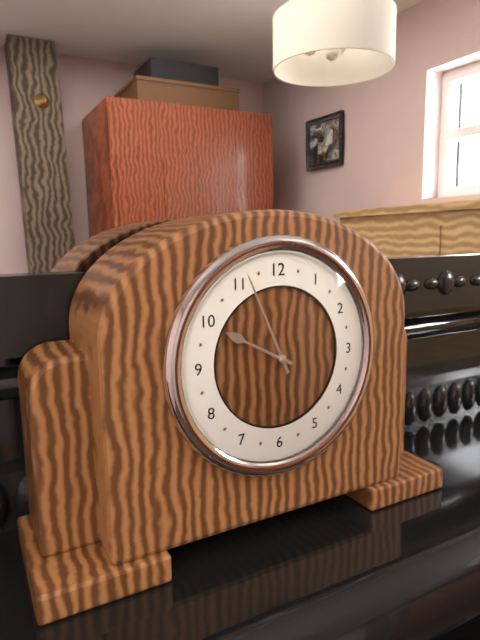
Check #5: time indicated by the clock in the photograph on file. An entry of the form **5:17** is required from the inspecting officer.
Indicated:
**9:56**
